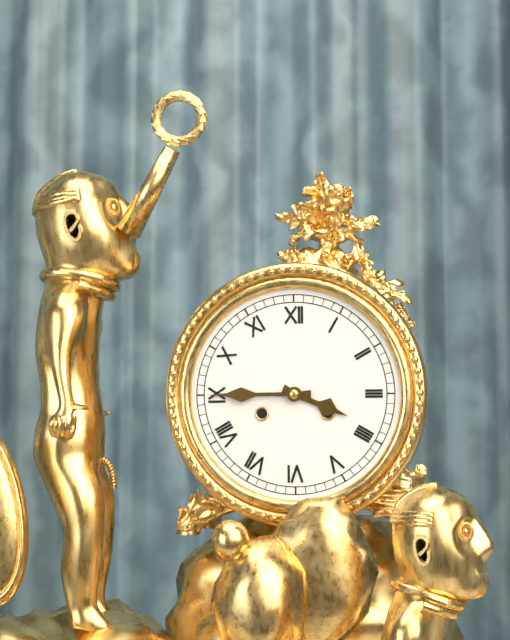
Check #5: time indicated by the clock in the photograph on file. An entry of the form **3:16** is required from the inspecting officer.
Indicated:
**3:45**
